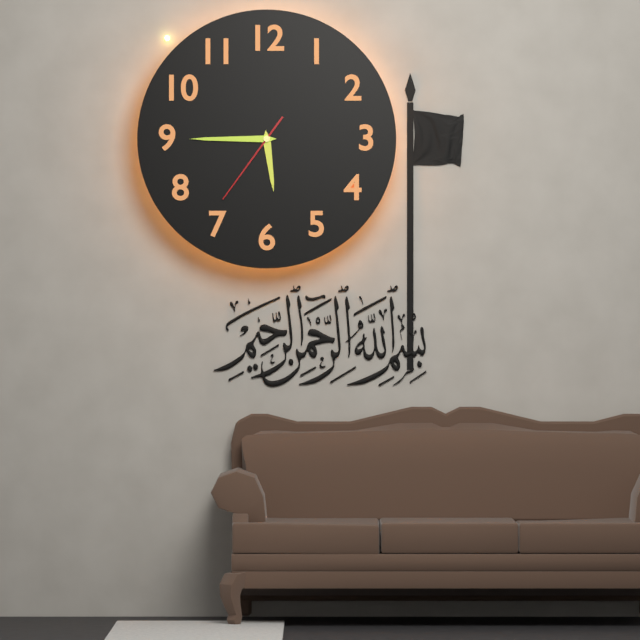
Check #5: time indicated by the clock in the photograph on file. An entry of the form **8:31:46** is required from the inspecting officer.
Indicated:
**5:45:36**
